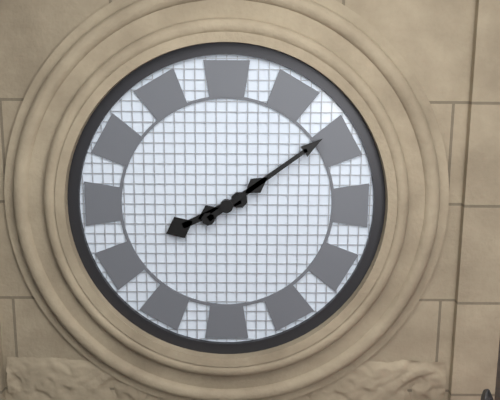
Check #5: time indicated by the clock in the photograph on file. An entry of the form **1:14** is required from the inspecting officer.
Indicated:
**8:09**
